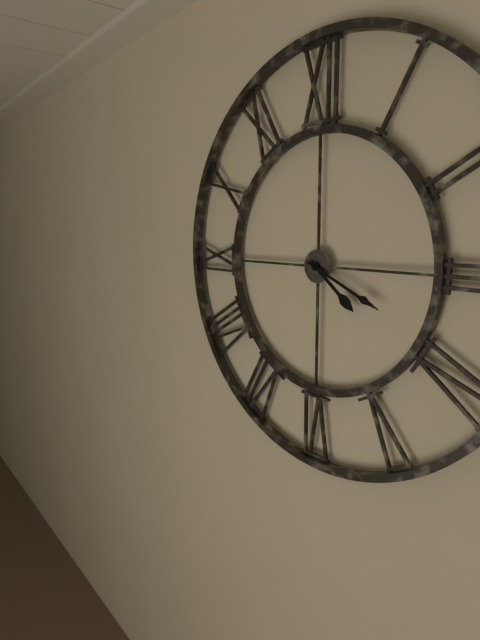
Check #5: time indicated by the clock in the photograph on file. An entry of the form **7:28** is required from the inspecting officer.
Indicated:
**4:19**
